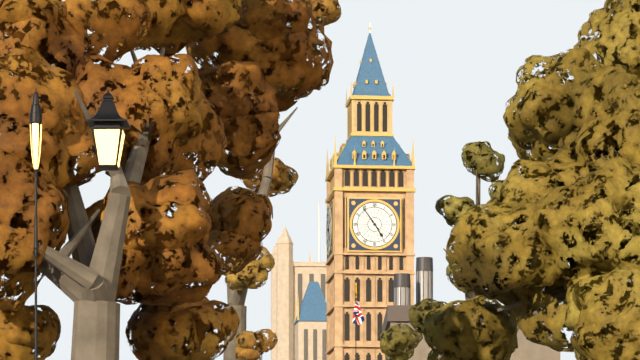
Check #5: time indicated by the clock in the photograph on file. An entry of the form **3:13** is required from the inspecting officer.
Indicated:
**4:54**
